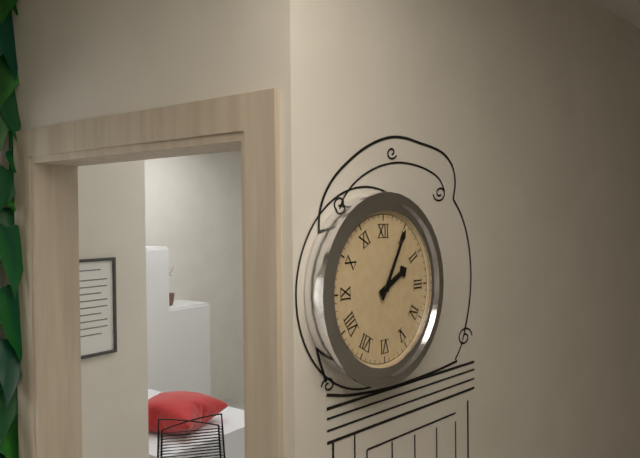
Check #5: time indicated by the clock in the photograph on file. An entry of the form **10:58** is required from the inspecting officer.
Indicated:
**2:05**
